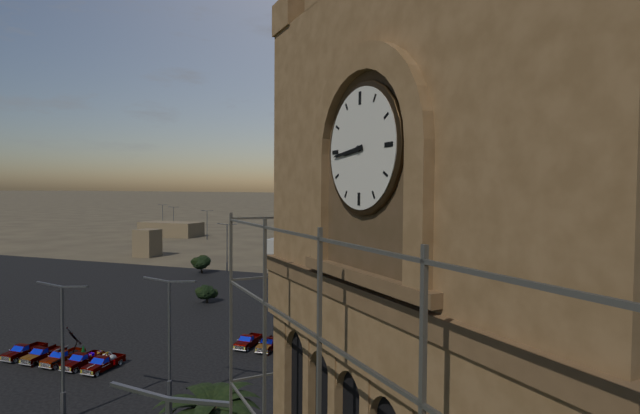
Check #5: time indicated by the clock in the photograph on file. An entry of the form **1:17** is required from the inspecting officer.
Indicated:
**8:44**
